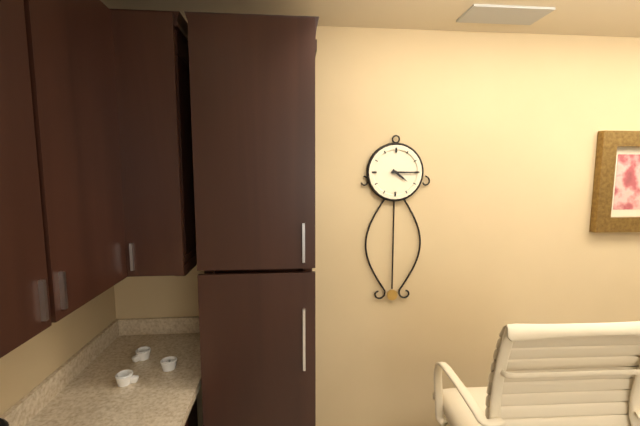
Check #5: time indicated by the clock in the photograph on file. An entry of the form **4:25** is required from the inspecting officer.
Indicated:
**4:15**
